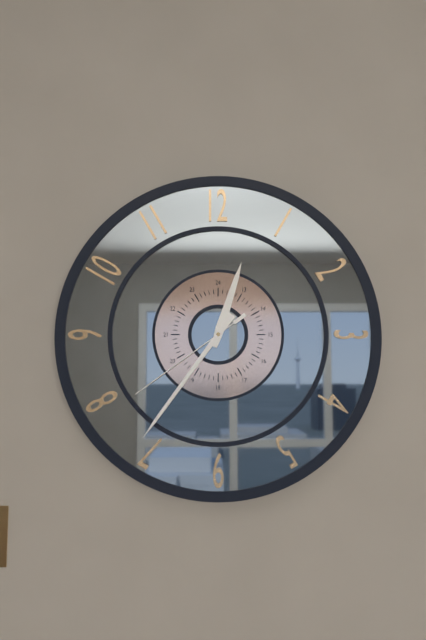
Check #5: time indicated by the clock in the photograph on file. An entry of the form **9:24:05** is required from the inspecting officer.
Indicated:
**12:36:39**
